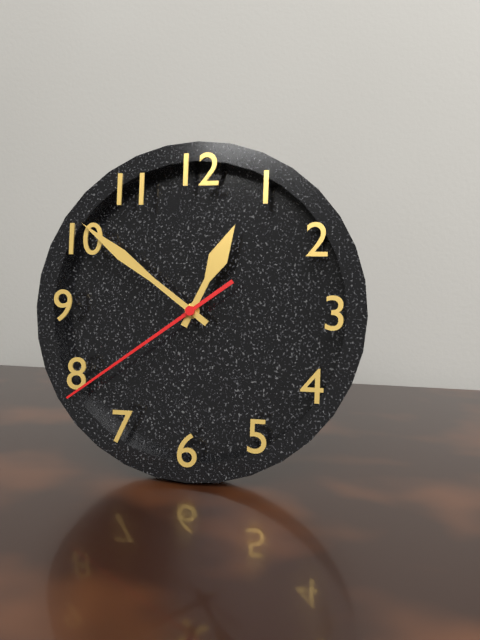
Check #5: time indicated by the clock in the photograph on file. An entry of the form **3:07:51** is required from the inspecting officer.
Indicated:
**12:51:39**
